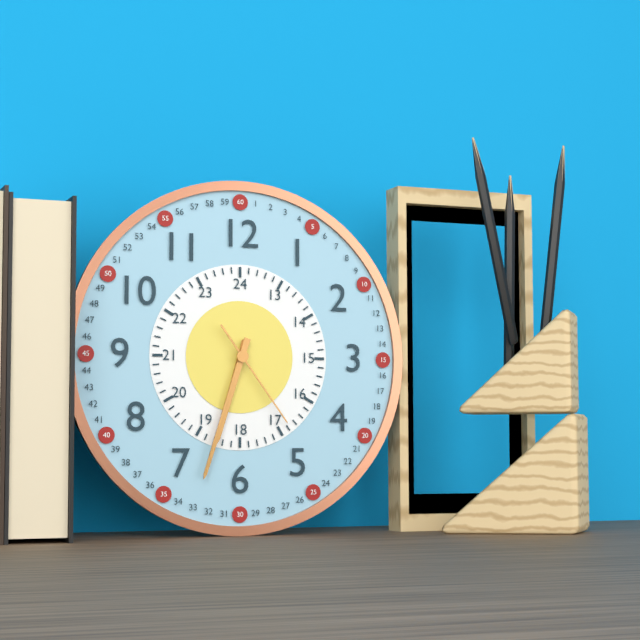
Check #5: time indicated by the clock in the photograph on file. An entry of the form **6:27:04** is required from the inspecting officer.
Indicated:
**6:33:24**
